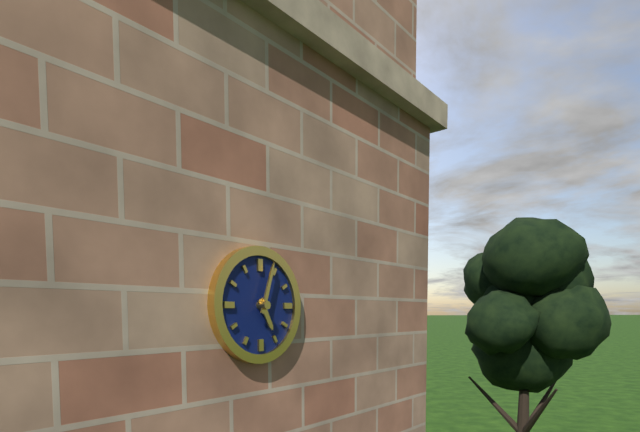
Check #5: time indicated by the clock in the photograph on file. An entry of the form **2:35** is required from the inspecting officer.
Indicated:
**5:03**
